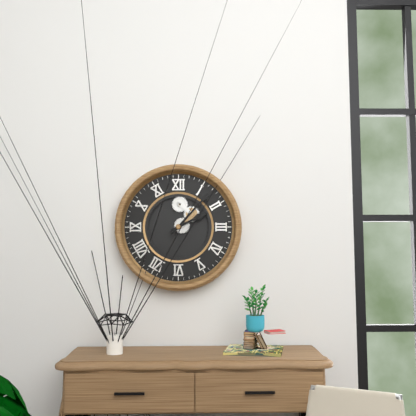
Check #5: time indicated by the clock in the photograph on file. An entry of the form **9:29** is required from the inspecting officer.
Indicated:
**2:07**
